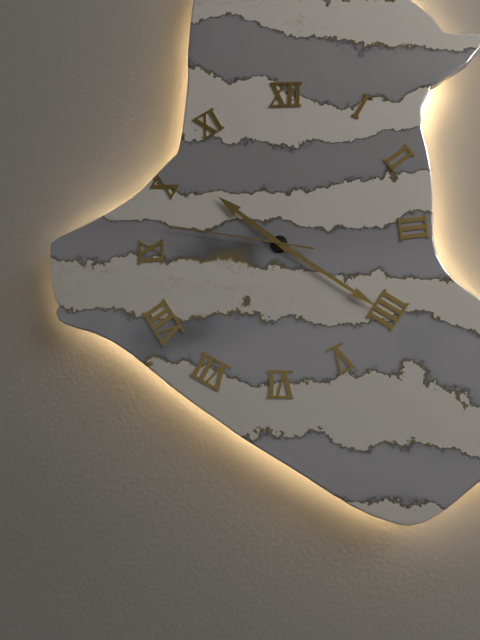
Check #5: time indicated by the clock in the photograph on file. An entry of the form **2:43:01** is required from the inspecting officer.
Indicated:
**10:21:47**
